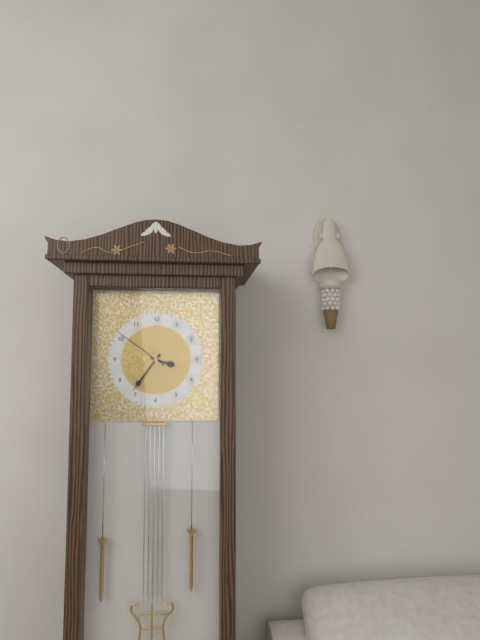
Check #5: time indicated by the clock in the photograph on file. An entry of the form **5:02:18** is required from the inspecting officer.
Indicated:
**3:36:51**
